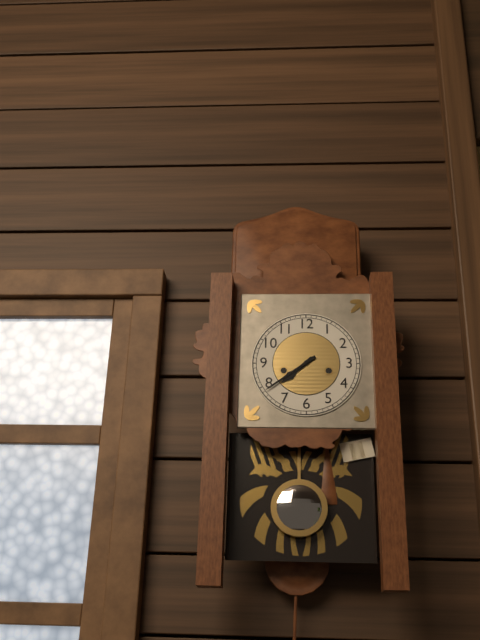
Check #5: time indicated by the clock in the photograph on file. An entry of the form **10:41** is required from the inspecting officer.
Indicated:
**7:39**
